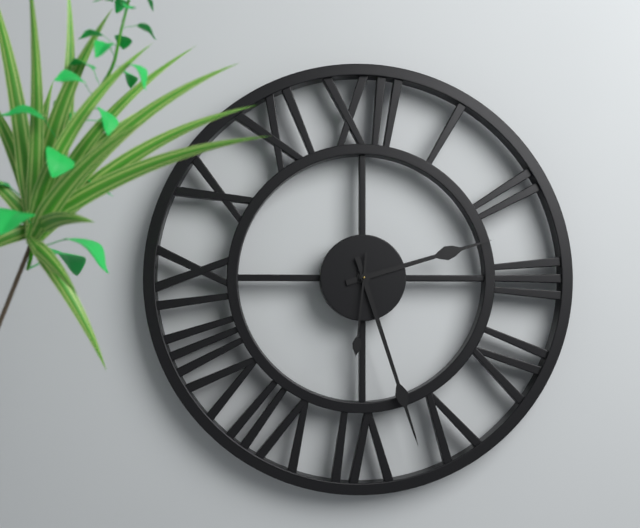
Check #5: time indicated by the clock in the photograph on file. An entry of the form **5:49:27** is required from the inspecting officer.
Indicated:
**2:27:31**
